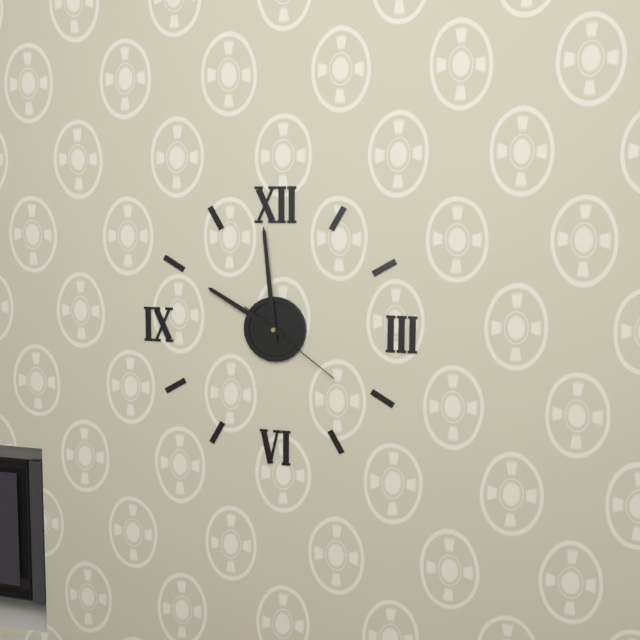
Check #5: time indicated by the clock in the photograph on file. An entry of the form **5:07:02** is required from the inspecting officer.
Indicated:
**9:59:21**
